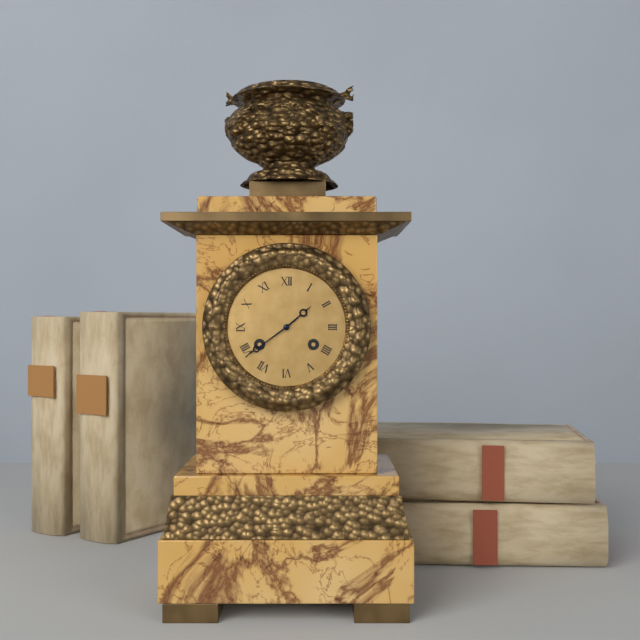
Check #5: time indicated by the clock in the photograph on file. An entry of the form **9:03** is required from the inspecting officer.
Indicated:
**1:39**
